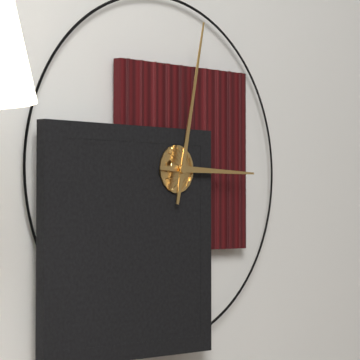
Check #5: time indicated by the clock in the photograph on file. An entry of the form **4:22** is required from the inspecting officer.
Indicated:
**3:02**
